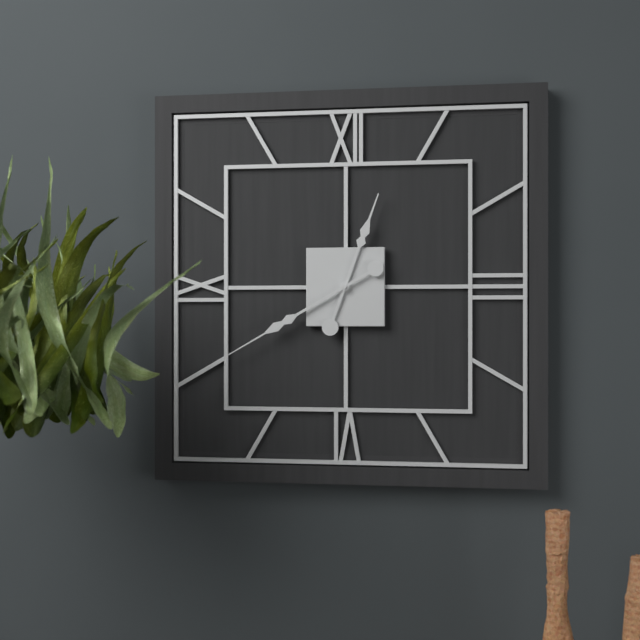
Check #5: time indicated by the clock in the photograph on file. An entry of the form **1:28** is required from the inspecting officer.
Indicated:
**12:40**
